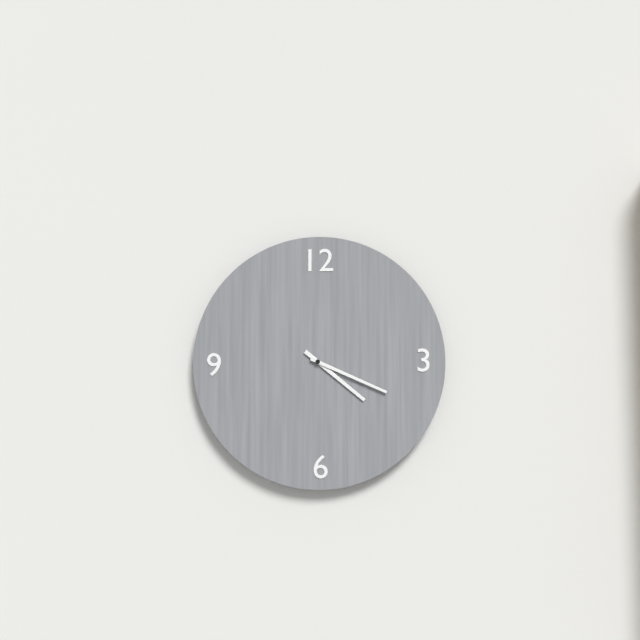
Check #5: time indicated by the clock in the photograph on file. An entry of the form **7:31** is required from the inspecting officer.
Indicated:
**4:19**
